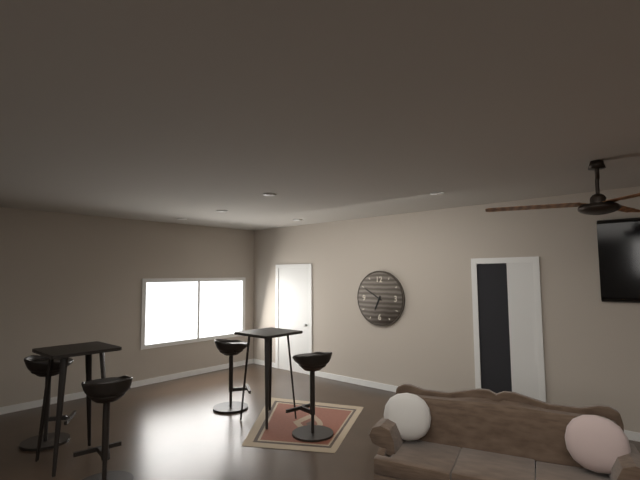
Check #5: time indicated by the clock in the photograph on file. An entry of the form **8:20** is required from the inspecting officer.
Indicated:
**6:50**
